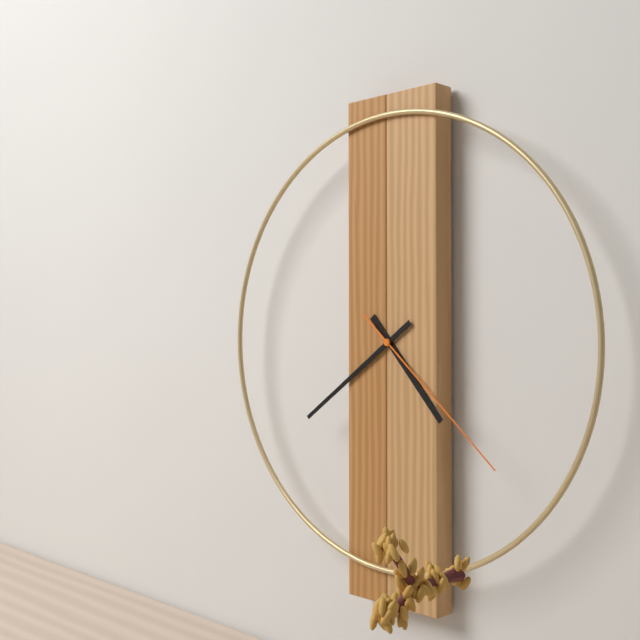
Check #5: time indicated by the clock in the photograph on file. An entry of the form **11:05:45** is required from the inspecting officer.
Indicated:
**4:39:22**
